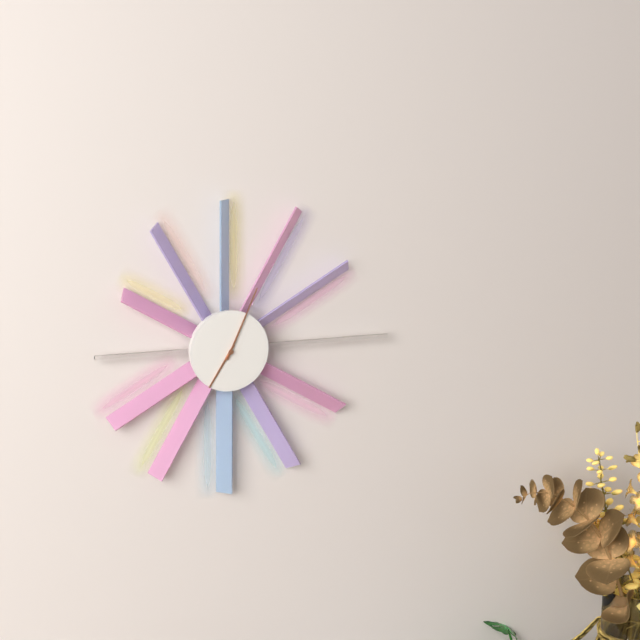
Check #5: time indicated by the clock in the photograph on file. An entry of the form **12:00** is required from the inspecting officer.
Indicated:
**7:04**
